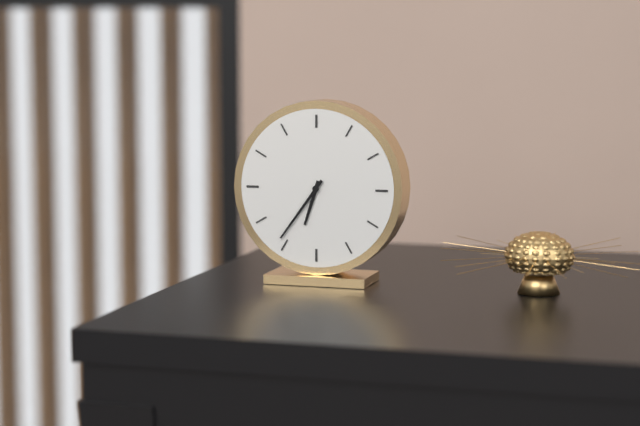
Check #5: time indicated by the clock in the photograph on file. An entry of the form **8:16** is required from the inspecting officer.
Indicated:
**6:36**
